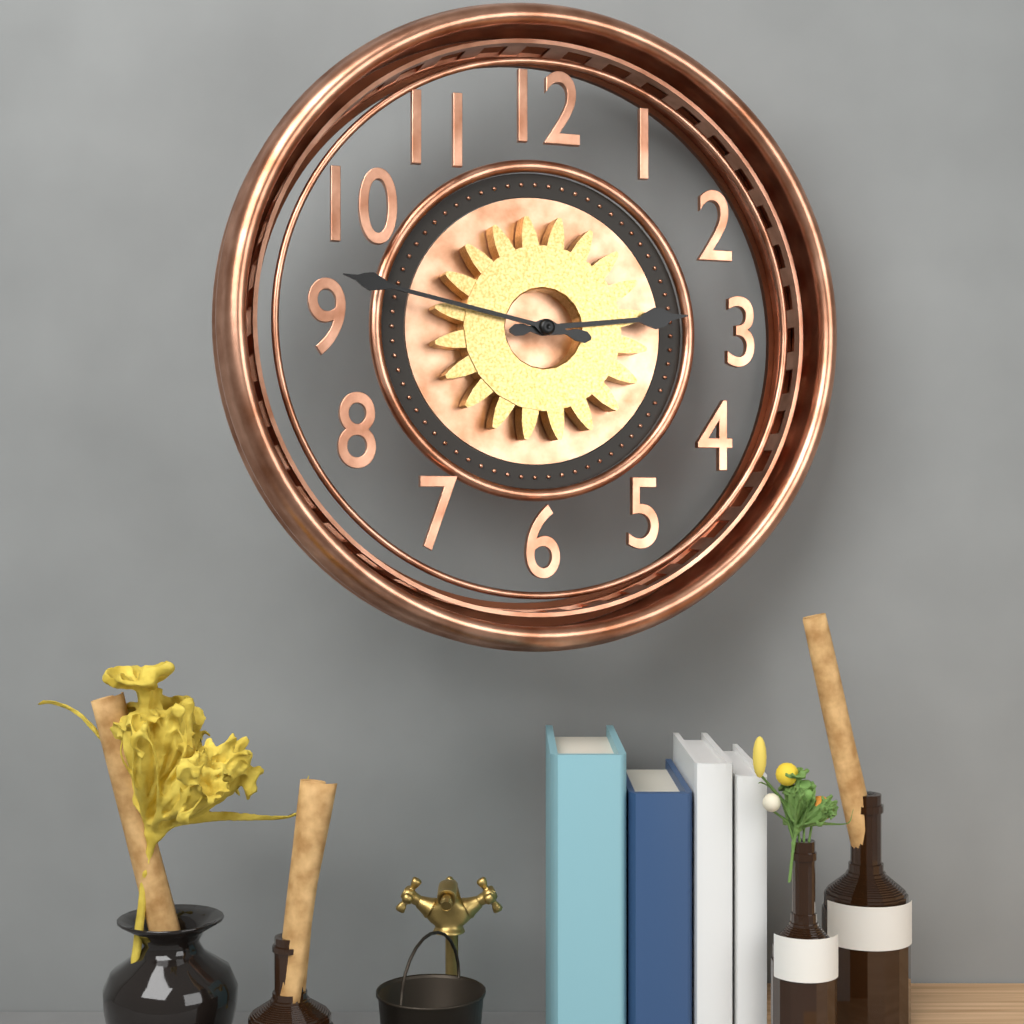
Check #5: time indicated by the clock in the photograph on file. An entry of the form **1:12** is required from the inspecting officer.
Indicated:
**2:47**
